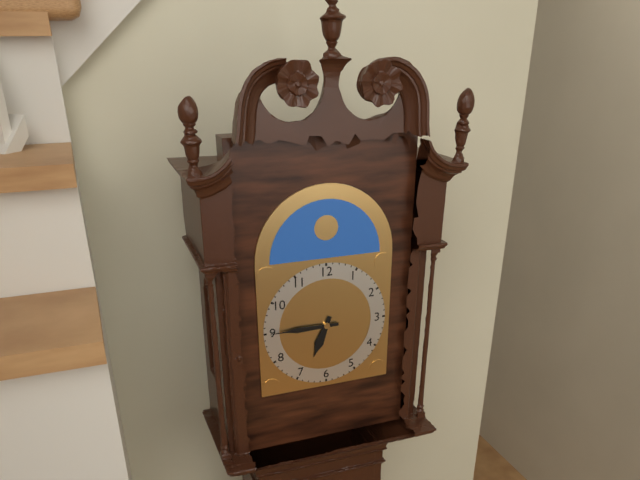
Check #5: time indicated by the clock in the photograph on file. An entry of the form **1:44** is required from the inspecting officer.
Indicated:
**6:45**
